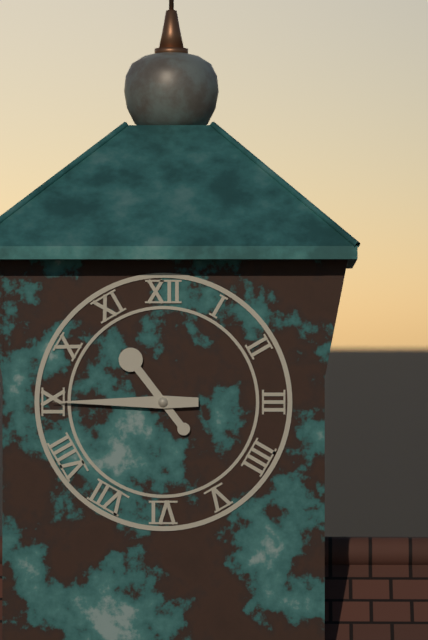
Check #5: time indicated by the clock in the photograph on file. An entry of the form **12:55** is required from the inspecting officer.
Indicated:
**10:45**
